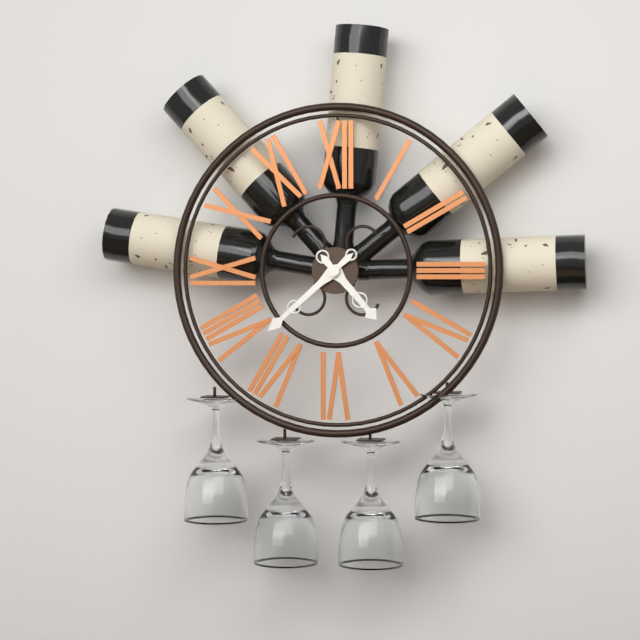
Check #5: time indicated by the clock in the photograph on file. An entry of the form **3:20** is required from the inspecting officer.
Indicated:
**4:38**
